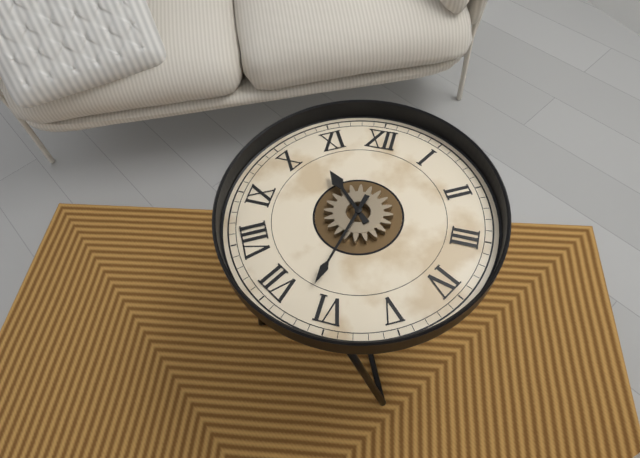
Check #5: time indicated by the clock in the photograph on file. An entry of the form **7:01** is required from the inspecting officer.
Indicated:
**10:32**
